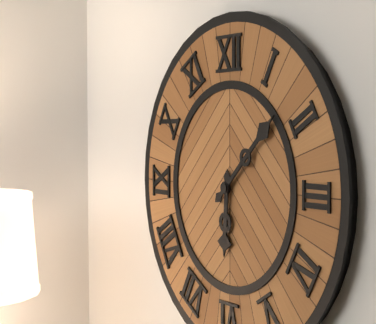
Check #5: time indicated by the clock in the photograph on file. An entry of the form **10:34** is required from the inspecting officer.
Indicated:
**6:08**
